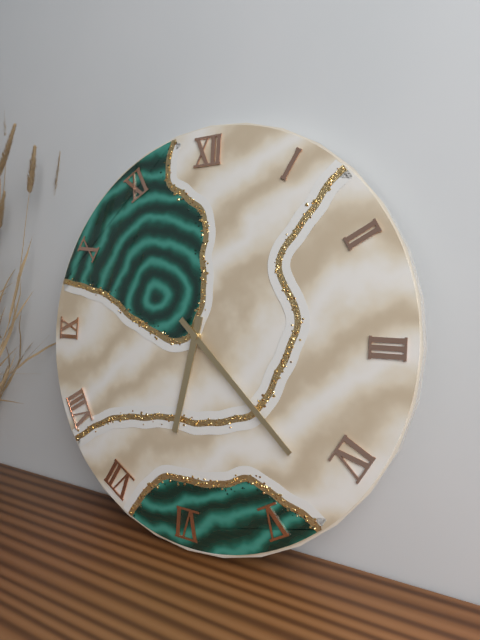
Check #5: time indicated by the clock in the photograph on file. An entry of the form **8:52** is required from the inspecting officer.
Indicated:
**6:22**
